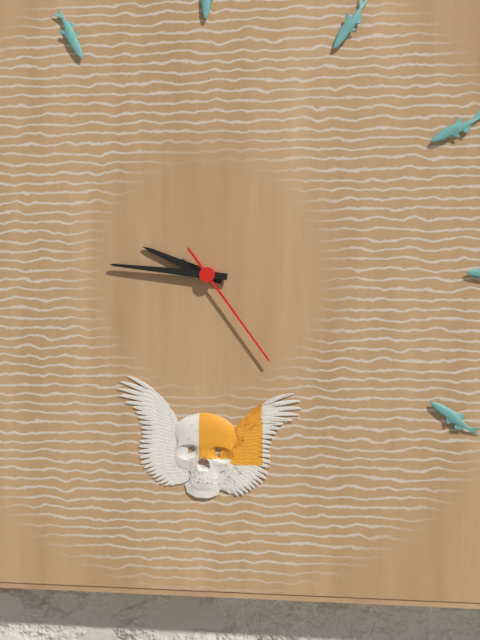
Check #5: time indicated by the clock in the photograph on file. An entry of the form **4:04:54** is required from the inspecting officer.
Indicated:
**9:46:24**
